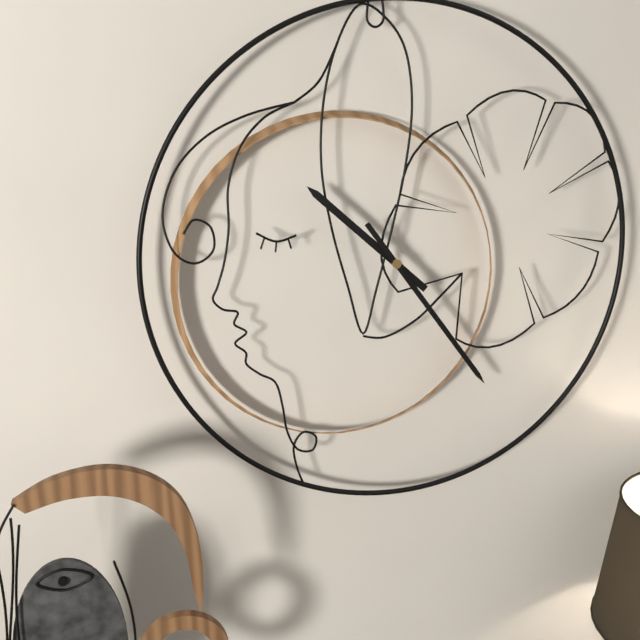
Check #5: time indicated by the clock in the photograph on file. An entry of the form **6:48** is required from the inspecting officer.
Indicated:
**10:24**
